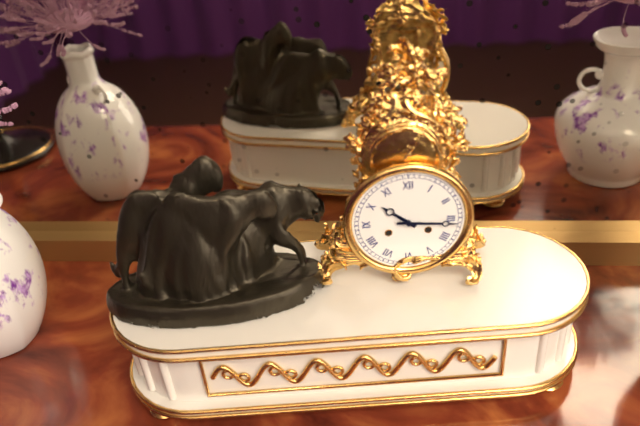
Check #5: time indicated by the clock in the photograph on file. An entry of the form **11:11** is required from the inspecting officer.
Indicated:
**10:16**
